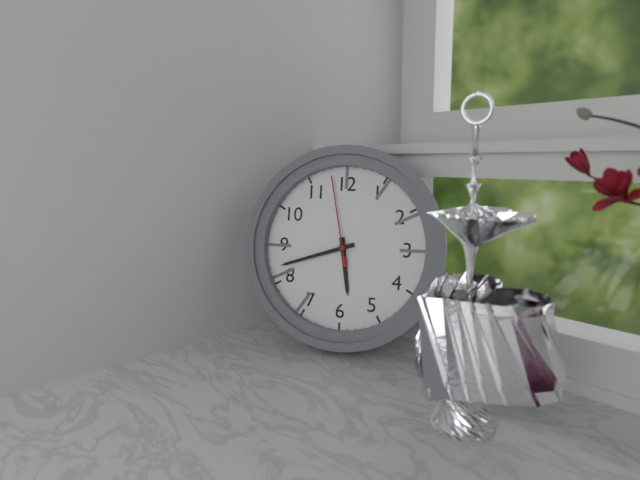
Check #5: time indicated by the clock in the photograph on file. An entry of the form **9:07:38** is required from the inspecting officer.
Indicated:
**5:42:58**
